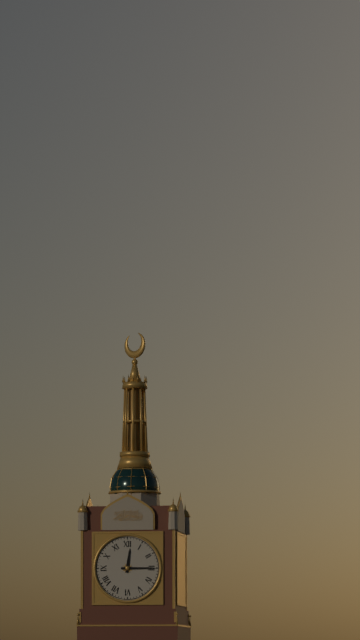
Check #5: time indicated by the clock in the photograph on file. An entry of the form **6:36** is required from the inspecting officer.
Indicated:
**12:15**
